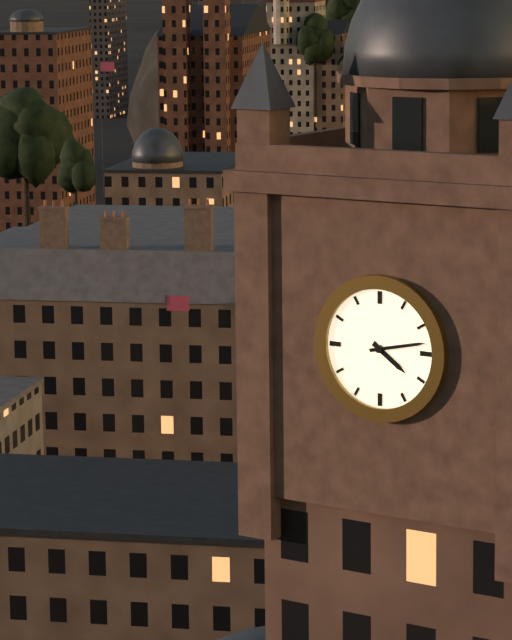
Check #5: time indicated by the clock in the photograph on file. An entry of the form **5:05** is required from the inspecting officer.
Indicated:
**4:13**
